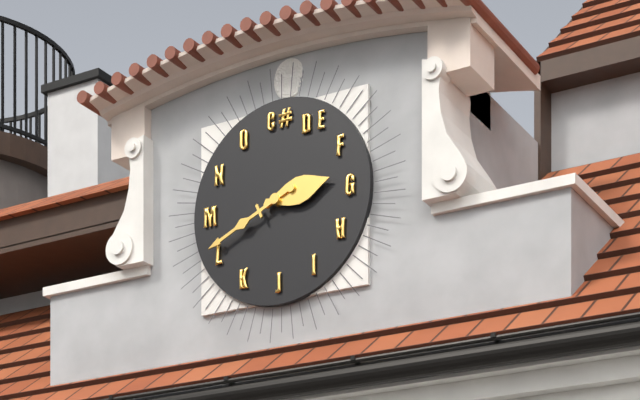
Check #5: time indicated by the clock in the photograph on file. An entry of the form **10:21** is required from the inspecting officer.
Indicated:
**2:41**
